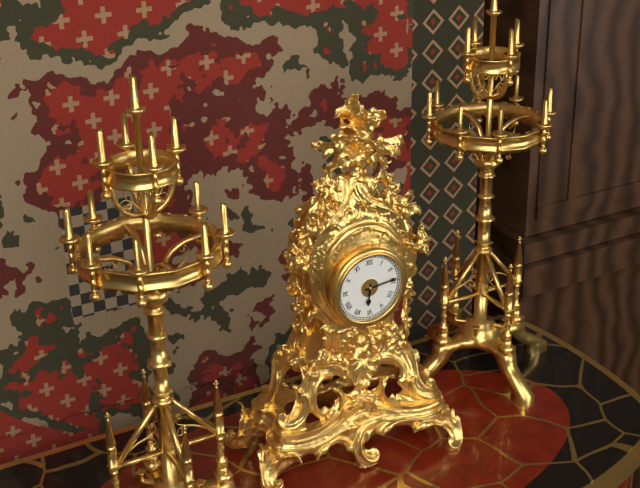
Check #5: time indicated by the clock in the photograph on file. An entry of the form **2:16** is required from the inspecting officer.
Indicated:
**6:14**
